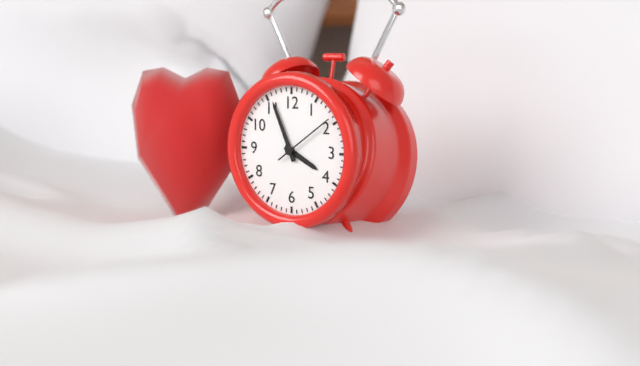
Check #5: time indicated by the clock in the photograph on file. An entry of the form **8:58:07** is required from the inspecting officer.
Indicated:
**3:56:09**
